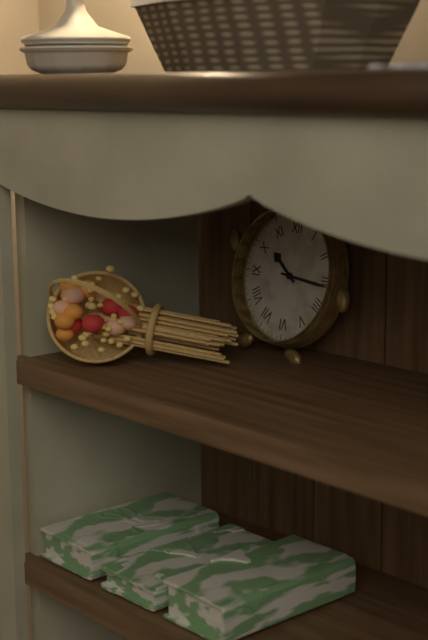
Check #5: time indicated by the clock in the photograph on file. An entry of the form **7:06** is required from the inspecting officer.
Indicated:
**10:16**
